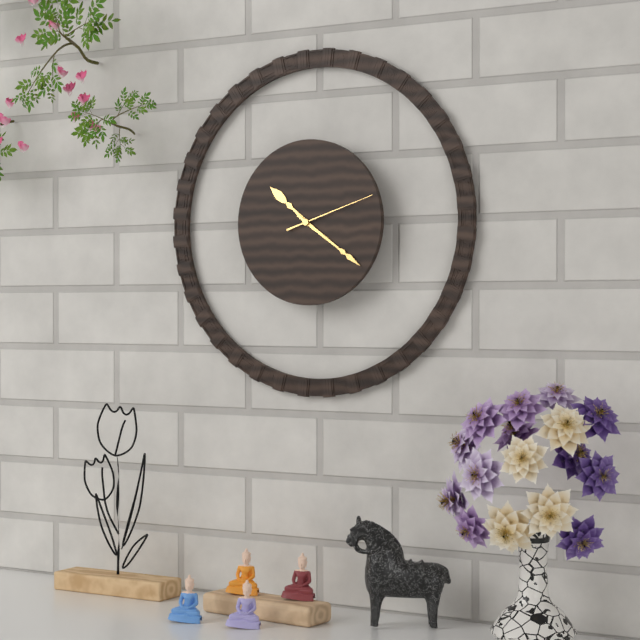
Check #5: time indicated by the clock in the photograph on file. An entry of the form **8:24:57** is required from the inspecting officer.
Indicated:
**10:21:12**
